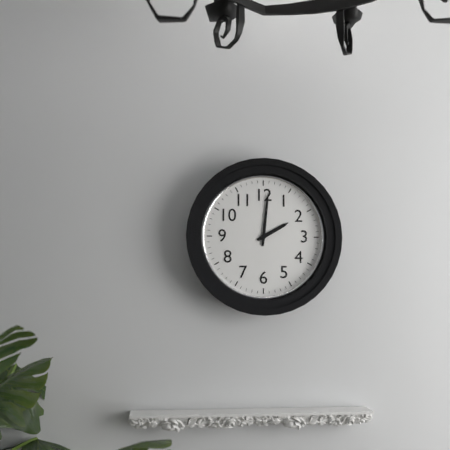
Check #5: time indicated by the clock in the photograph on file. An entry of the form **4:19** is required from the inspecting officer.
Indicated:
**2:01**
